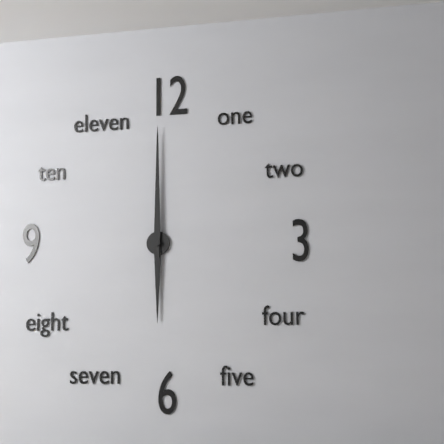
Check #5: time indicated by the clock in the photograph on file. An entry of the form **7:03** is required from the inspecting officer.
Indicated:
**6:00**
